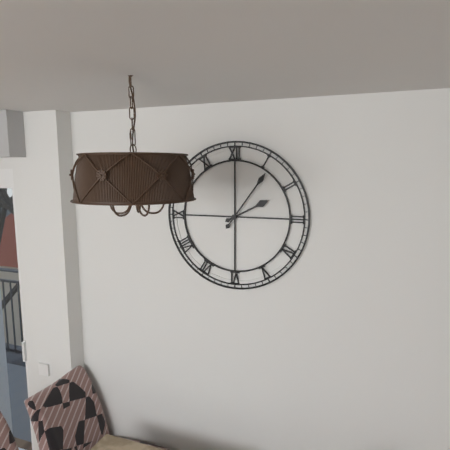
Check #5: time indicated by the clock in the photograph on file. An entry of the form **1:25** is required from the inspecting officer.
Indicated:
**2:06**
